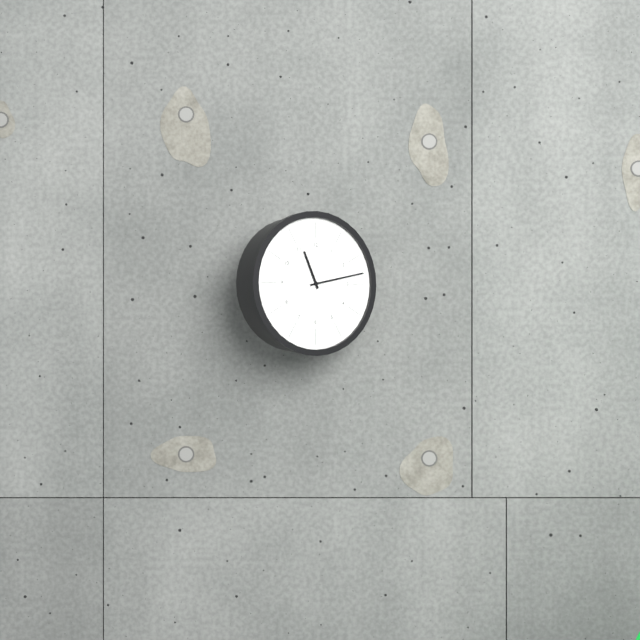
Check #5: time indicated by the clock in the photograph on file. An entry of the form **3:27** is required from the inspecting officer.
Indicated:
**11:13**
